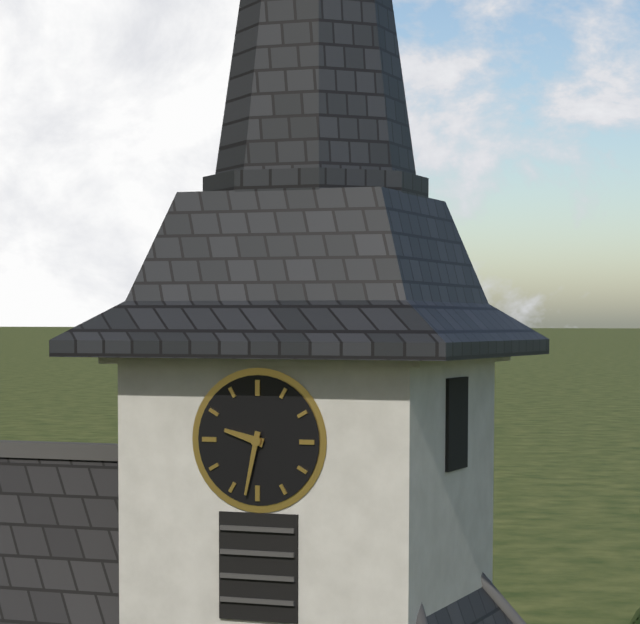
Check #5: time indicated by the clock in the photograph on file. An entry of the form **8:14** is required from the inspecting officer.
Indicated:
**9:32**
